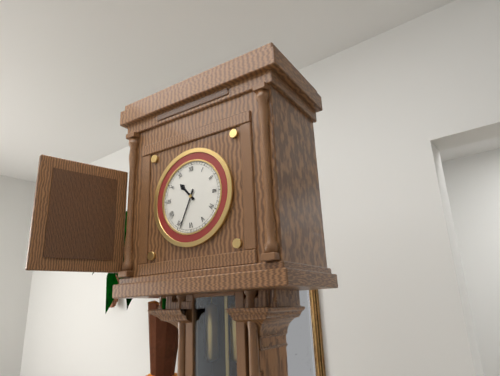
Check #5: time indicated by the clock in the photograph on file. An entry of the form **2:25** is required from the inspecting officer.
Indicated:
**10:34**
